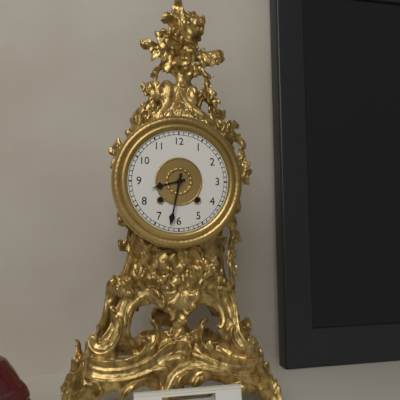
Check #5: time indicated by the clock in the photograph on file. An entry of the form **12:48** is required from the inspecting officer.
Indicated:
**8:32**
